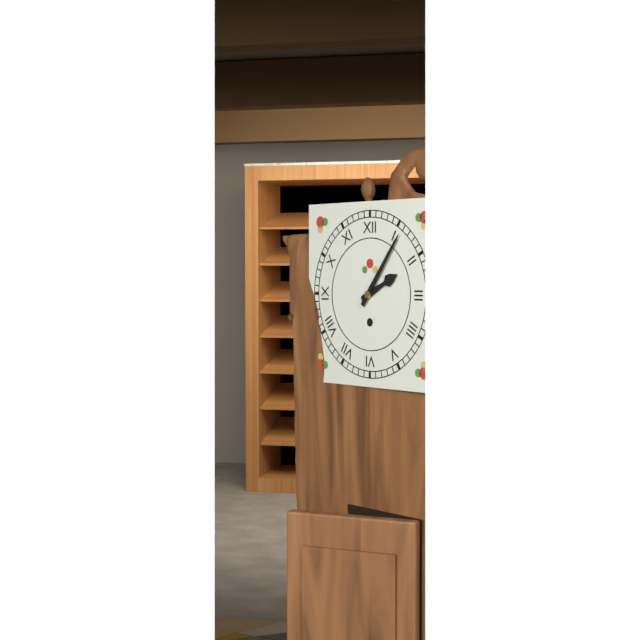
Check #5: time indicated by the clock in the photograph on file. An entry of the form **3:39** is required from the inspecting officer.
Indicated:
**2:06**
